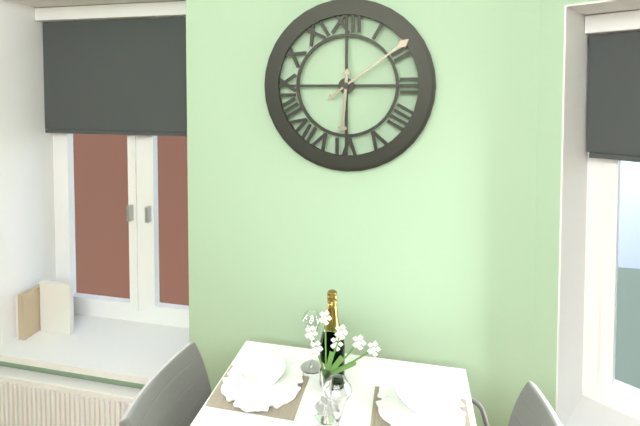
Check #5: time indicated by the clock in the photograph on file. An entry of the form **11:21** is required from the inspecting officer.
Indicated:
**6:09**
